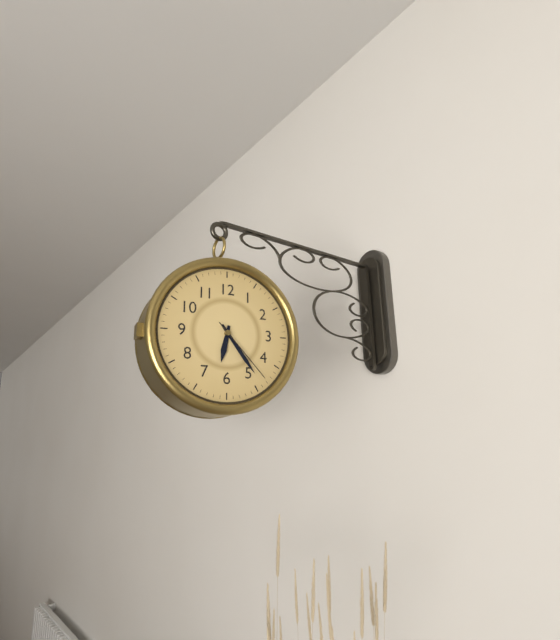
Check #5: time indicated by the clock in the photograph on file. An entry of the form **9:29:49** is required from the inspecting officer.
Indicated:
**6:24:23**
